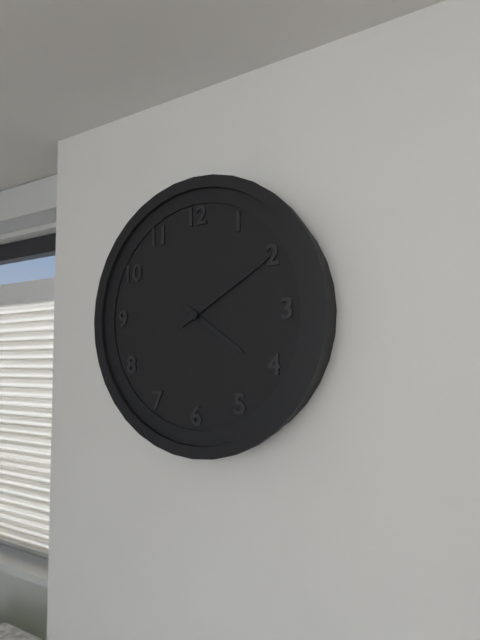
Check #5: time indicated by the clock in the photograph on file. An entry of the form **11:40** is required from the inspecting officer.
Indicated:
**4:10**
